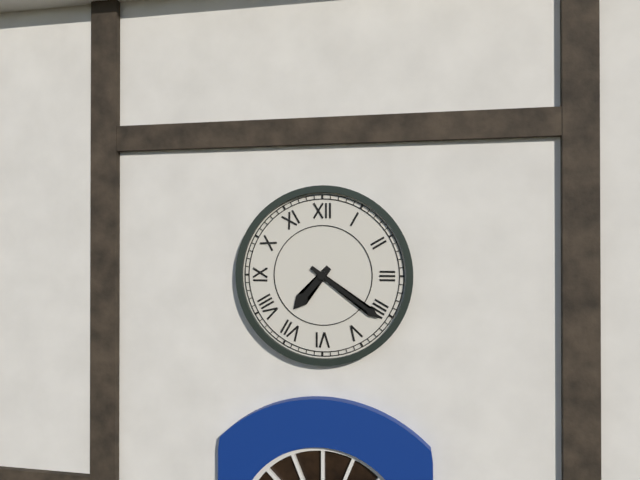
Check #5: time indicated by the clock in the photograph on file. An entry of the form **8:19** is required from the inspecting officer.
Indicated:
**7:21**
